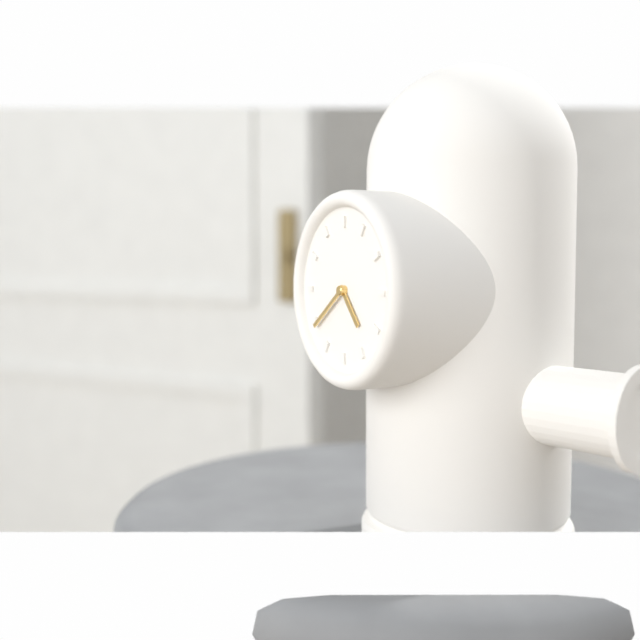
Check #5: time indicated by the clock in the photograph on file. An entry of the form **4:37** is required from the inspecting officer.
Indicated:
**4:39**
